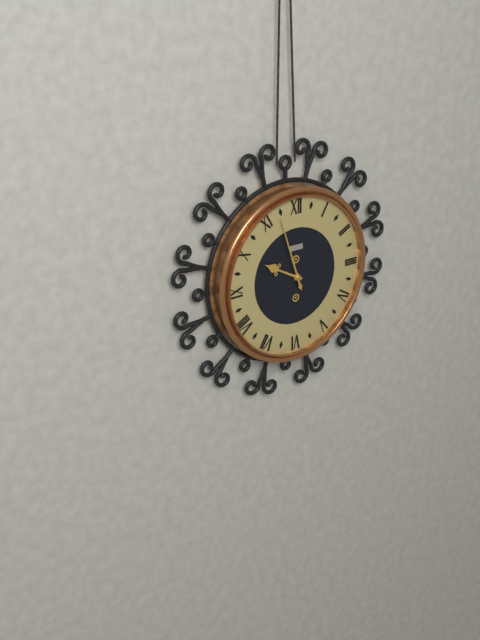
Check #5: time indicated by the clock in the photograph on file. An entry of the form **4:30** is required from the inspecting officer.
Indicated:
**9:57**
